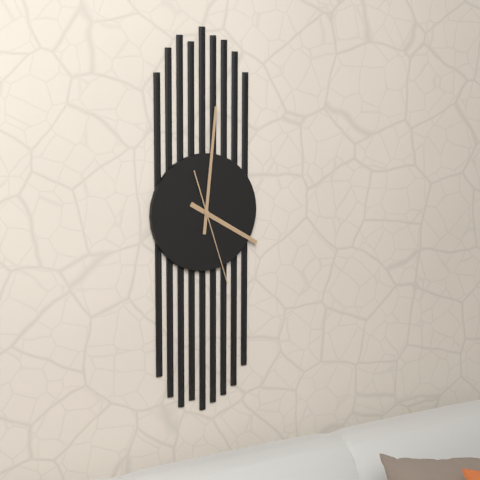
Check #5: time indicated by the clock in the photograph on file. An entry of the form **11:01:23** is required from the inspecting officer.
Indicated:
**4:01:27**
